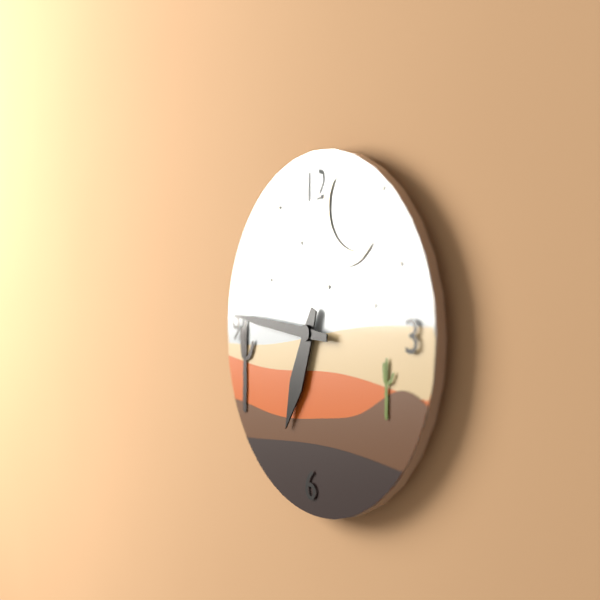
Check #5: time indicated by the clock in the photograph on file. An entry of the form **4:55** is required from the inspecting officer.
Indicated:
**6:46**
